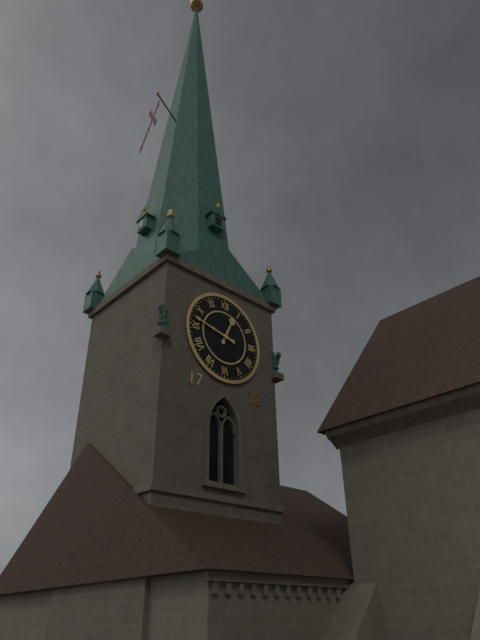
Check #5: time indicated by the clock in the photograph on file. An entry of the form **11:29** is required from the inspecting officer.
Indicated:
**12:47**
